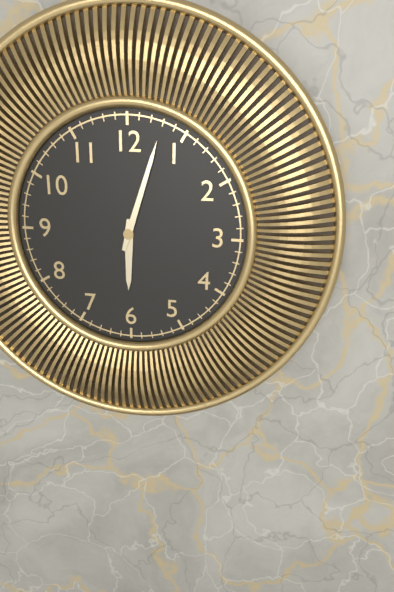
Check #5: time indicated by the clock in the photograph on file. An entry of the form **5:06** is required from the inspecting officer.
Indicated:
**6:03**
